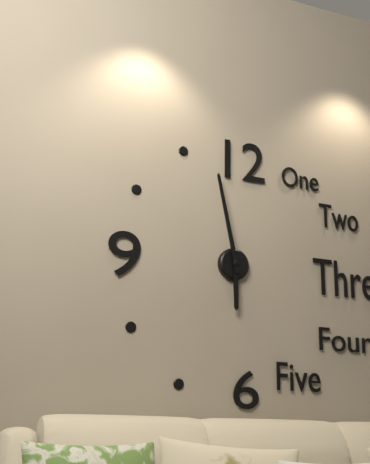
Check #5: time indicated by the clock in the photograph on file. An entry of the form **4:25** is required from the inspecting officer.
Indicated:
**5:58**
